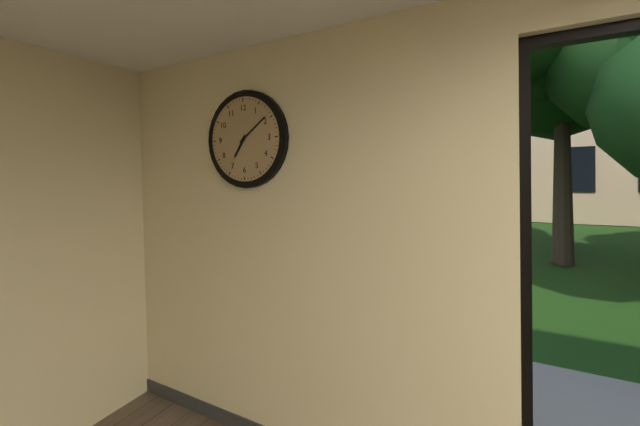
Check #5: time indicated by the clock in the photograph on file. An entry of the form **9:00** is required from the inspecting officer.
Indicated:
**7:09**
